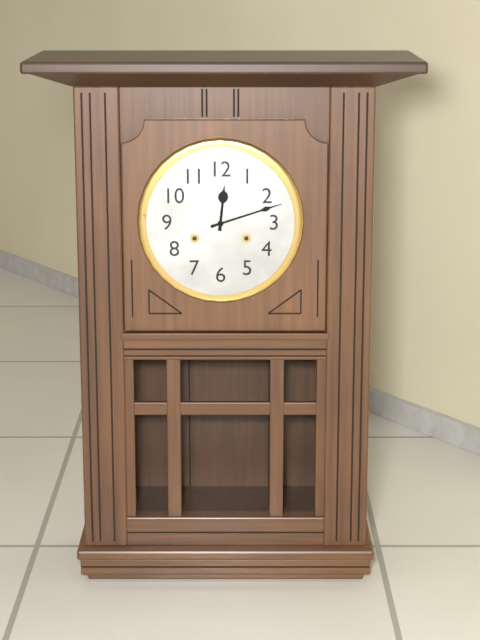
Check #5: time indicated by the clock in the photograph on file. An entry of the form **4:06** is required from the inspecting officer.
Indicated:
**12:12**
